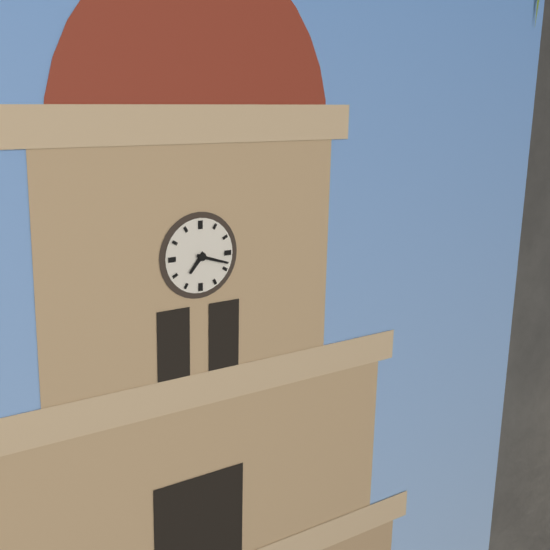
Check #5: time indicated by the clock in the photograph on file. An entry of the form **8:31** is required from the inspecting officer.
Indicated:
**7:18**
